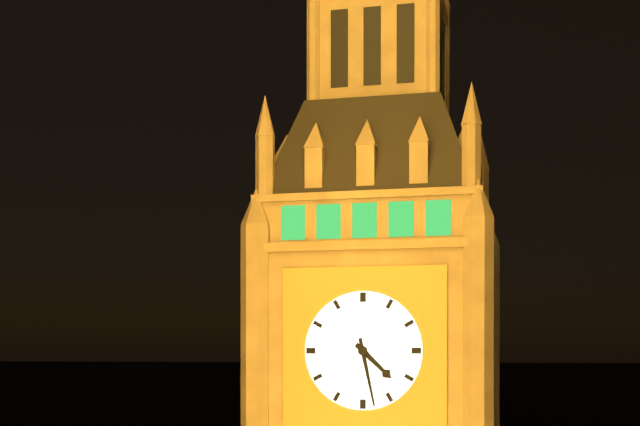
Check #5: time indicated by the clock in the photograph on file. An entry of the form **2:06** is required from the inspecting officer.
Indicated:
**4:28**
